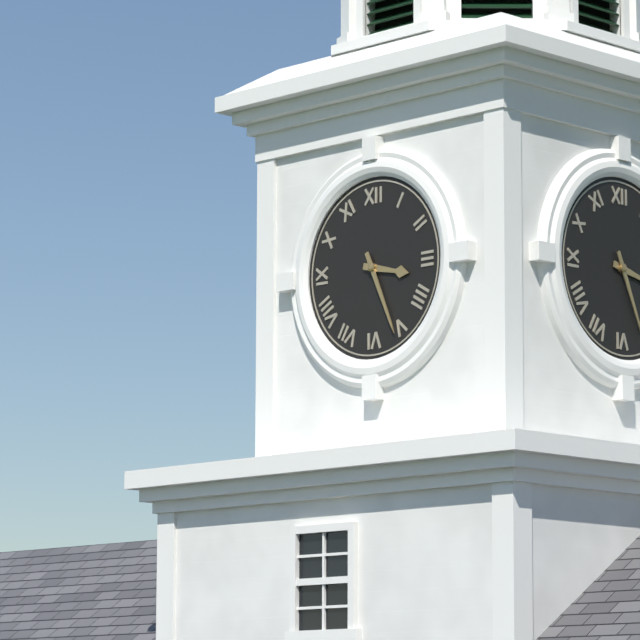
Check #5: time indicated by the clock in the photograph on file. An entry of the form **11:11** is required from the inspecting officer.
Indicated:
**3:26**
